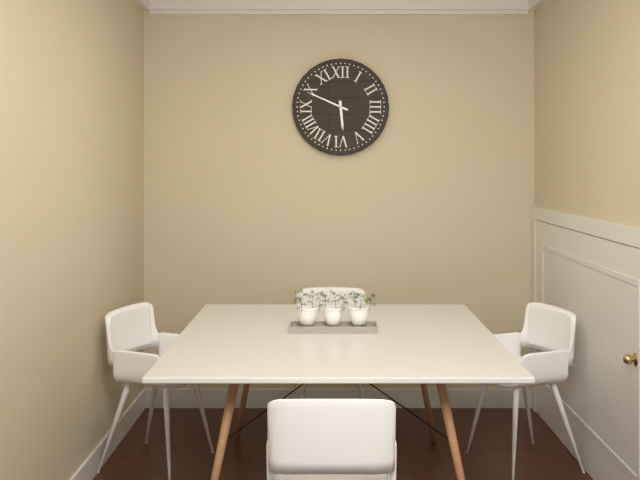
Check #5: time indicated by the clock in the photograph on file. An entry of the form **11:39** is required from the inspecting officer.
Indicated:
**5:49**
